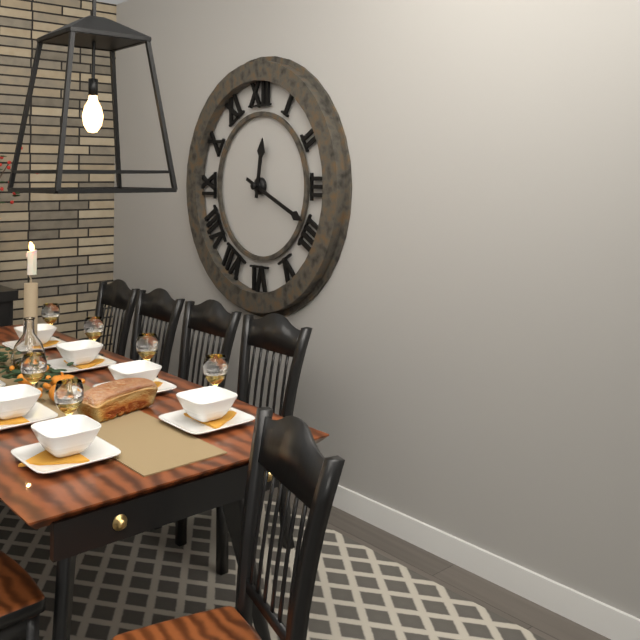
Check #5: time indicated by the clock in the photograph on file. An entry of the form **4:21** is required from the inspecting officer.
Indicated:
**12:19**
